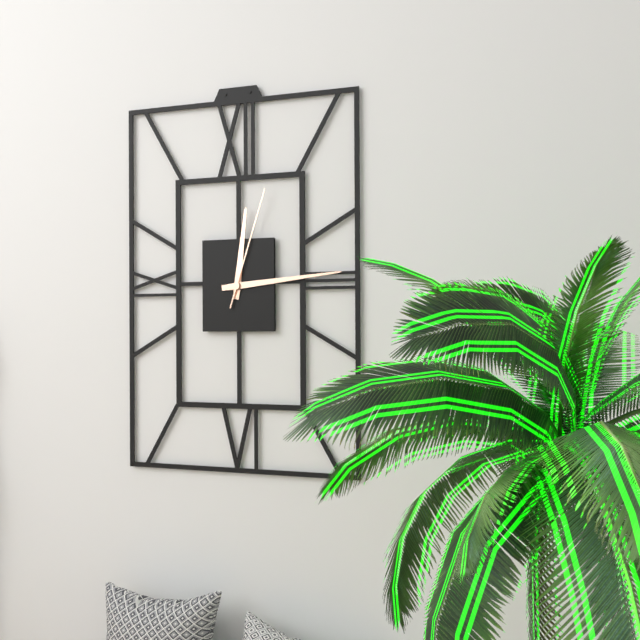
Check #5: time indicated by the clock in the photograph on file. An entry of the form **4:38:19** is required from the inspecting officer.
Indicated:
**12:14:03**
